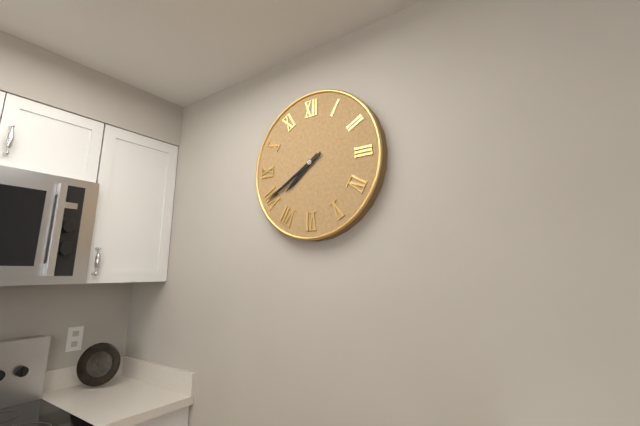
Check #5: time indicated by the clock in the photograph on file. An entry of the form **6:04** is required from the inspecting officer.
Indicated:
**7:40**
